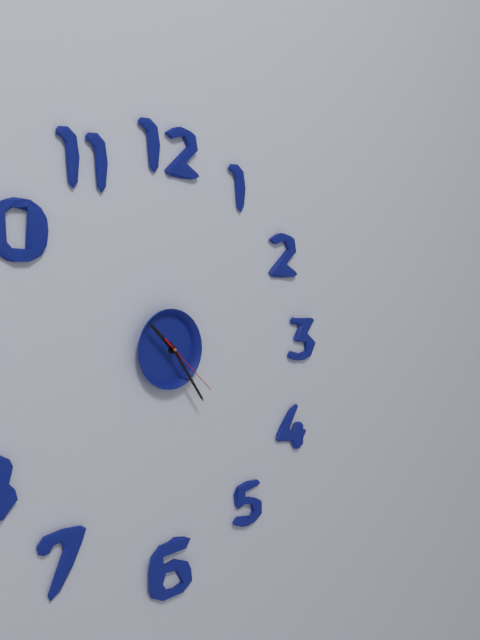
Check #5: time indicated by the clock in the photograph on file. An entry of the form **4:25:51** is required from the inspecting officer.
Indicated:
**10:24:22**
